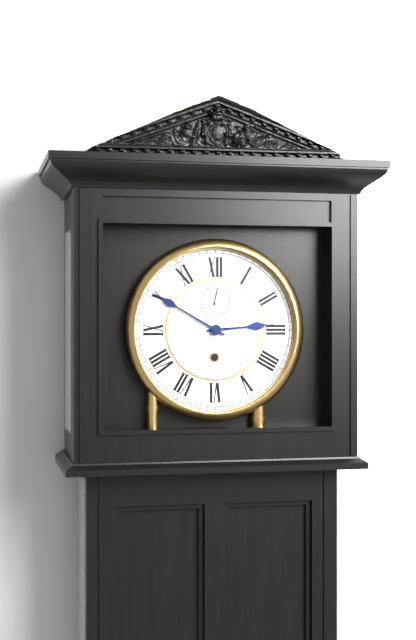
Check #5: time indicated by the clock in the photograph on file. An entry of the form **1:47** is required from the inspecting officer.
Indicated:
**2:50**
